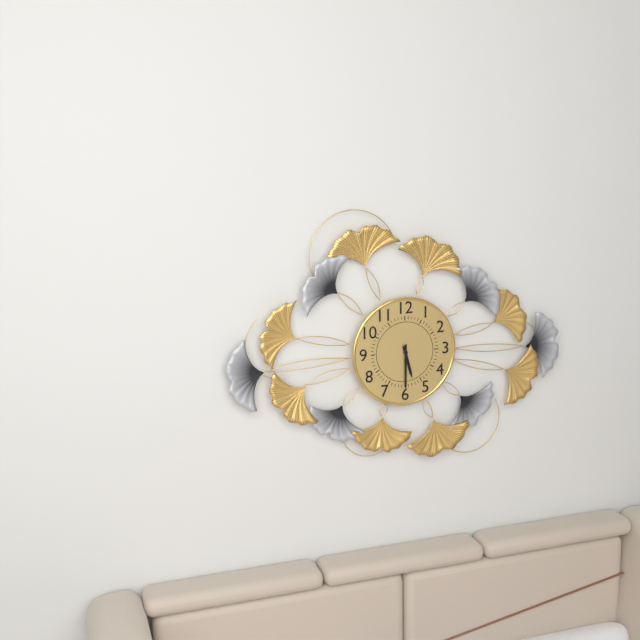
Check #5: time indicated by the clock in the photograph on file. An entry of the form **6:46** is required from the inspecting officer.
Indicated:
**5:30**
